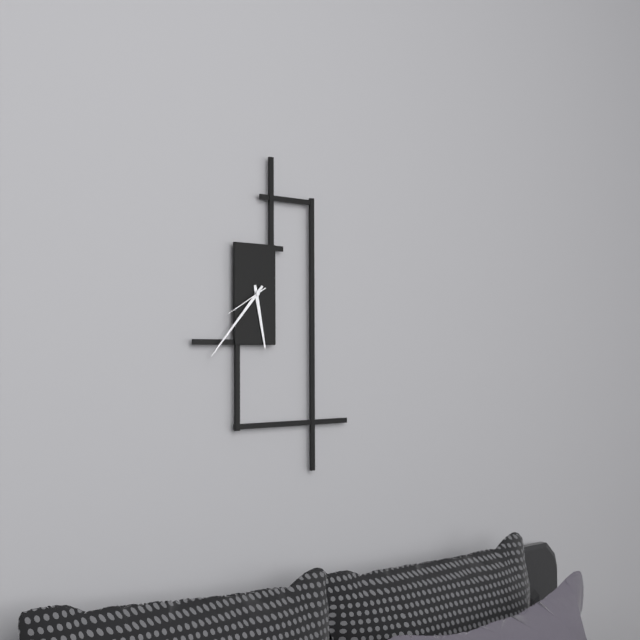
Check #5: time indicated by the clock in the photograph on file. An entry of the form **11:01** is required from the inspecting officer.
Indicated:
**5:37**
